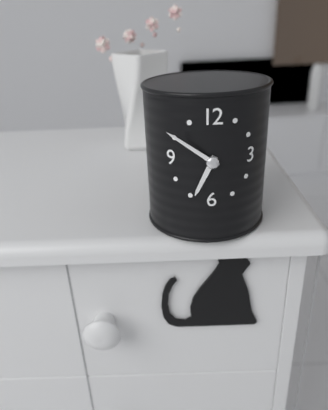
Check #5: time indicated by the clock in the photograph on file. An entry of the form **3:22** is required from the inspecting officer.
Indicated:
**6:51**
